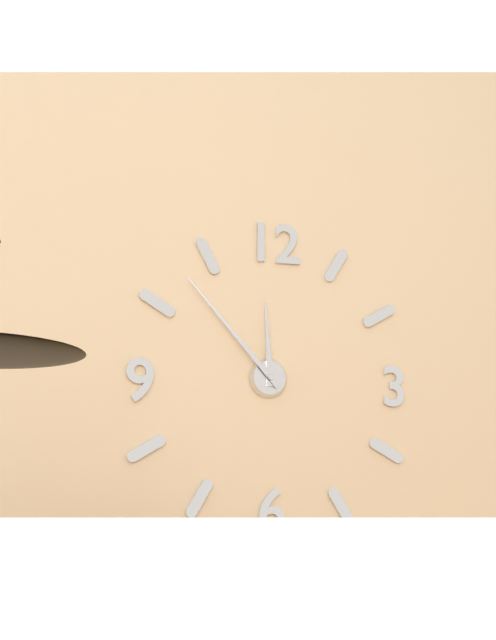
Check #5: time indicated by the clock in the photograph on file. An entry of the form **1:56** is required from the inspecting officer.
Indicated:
**11:53**
